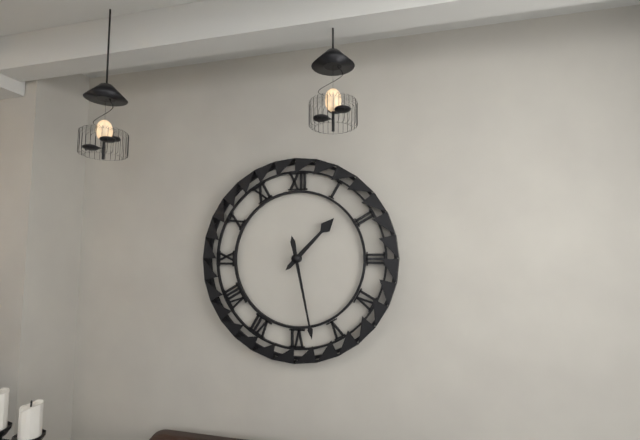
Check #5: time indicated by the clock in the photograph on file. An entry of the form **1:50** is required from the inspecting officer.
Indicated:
**1:28**
